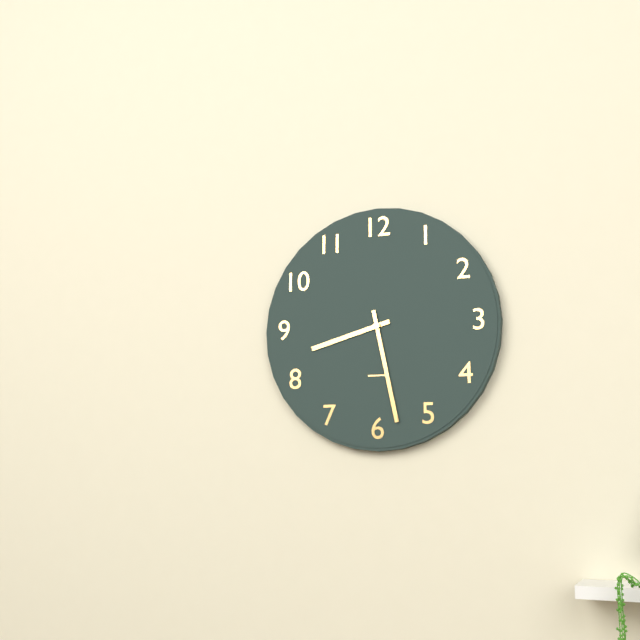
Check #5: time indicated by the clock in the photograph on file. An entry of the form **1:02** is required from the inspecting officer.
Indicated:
**8:28**
